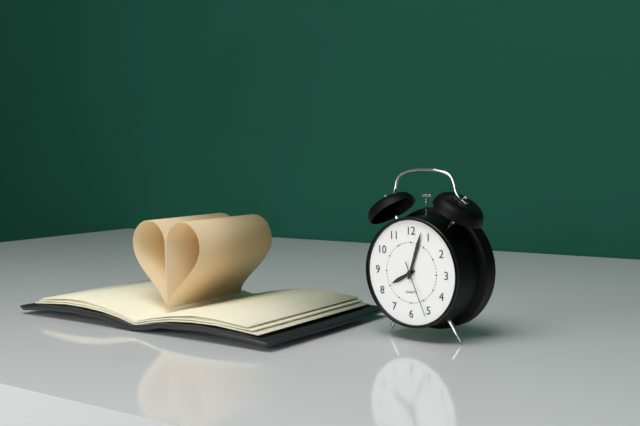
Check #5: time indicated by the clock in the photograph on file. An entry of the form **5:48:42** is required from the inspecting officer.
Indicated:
**8:03:26**
